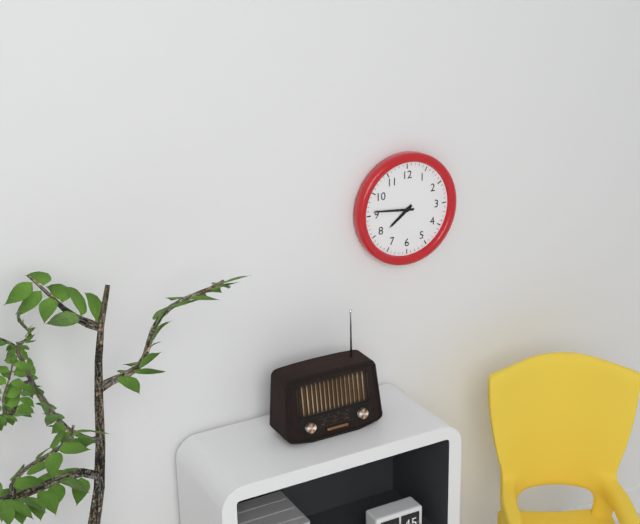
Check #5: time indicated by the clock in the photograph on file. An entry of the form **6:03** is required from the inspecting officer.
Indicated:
**7:46**
